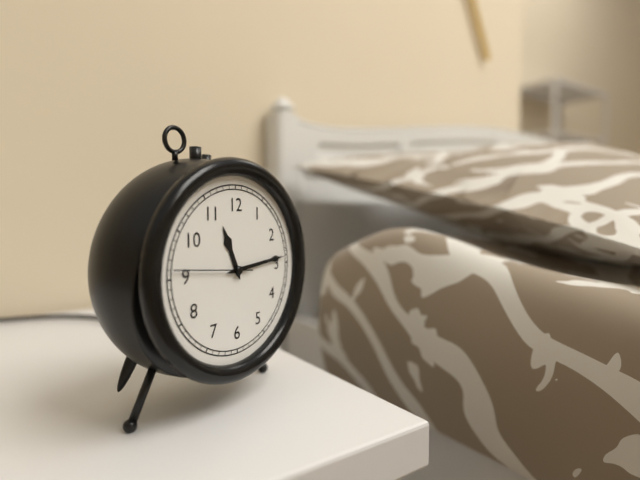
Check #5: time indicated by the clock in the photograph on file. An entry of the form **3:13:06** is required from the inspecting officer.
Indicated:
**11:14:46**
